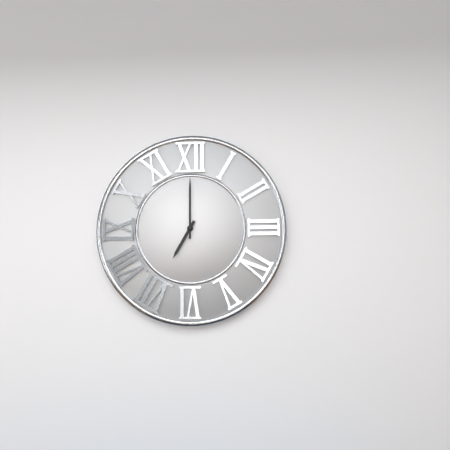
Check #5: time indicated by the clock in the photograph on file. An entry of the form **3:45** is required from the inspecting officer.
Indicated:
**7:00**
